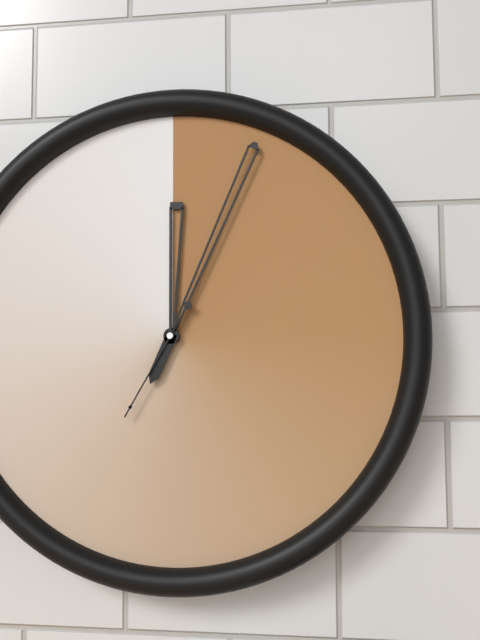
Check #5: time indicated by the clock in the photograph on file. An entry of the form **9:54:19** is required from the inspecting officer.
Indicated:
**12:04:35**
